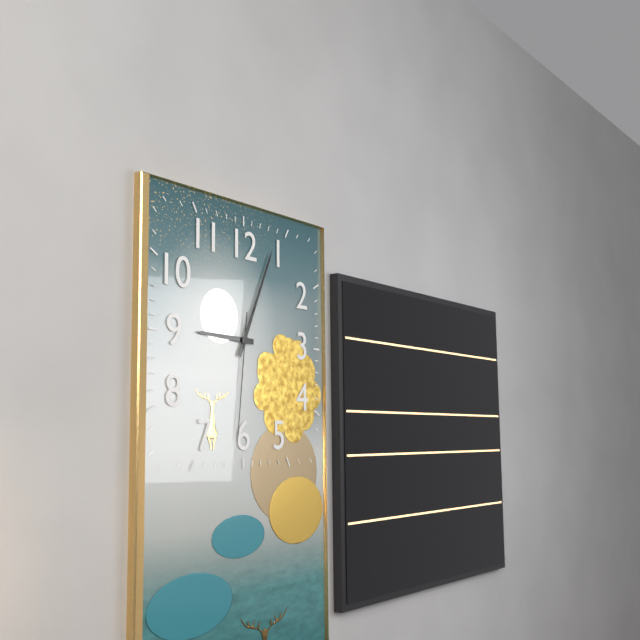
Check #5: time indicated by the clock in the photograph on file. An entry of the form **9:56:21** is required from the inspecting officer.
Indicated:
**9:04:31**
